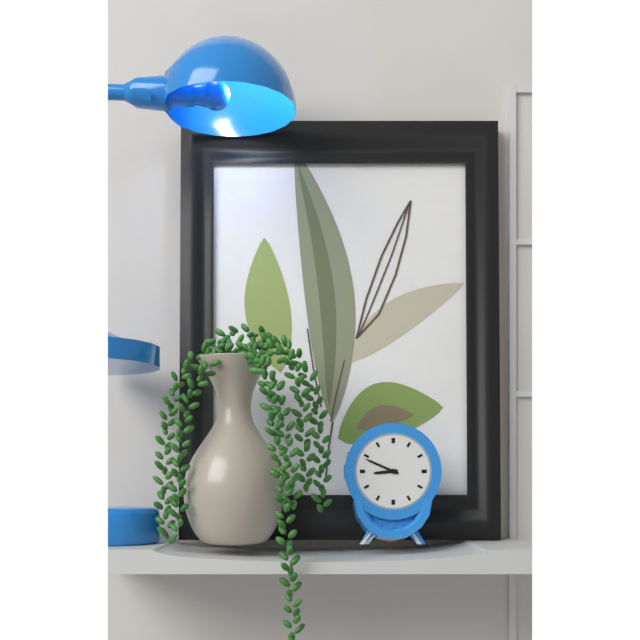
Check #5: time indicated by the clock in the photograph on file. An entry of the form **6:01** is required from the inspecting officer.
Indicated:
**8:49**
